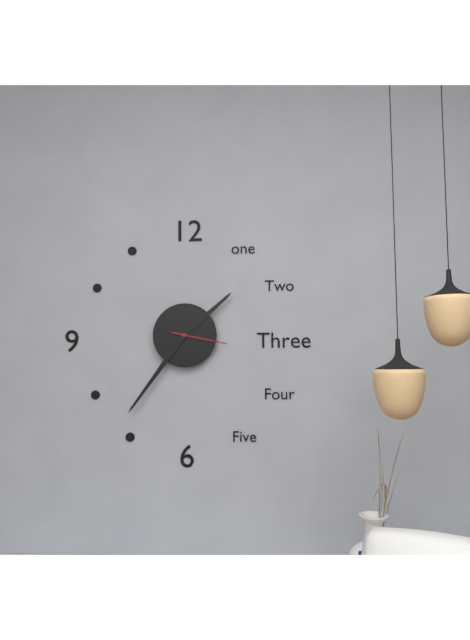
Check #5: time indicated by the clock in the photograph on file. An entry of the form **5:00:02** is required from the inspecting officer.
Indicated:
**1:36:17**
